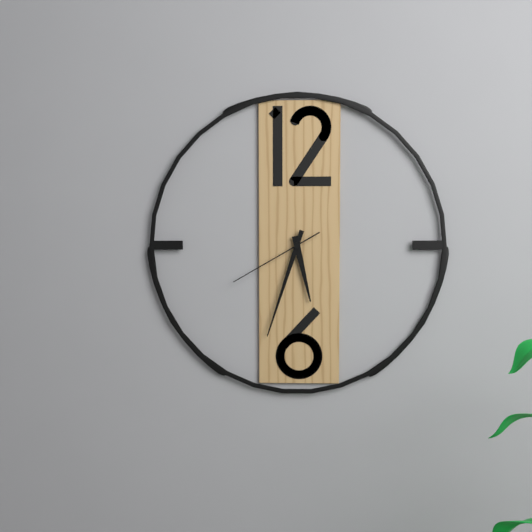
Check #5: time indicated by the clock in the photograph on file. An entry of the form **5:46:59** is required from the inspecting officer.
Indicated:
**5:33:40**
